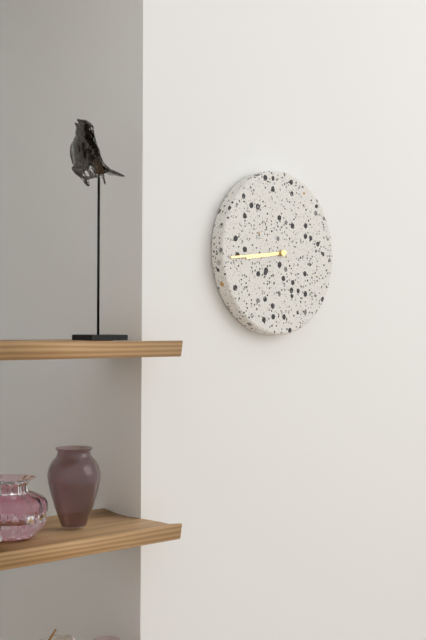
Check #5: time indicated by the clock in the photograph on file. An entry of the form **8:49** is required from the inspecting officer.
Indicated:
**8:44**
